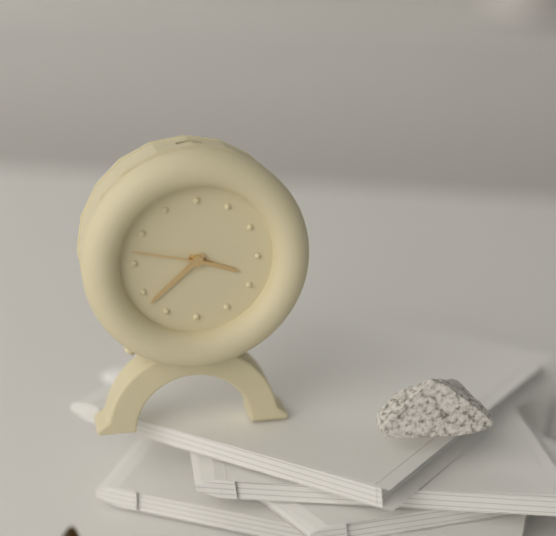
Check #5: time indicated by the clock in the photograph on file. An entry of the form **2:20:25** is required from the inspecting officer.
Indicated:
**3:38:47**
